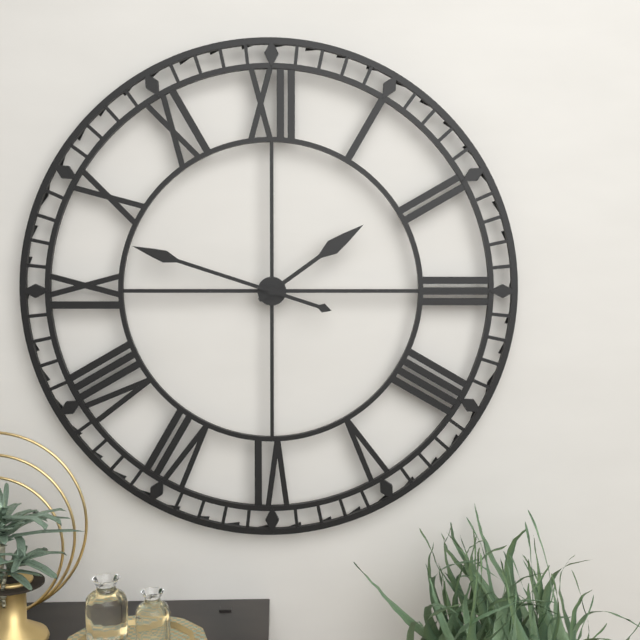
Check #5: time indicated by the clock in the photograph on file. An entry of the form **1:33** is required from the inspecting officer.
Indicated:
**1:48**
